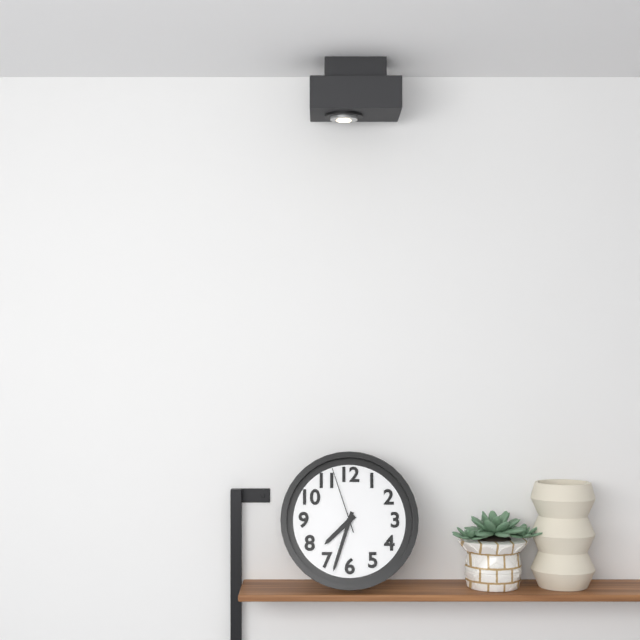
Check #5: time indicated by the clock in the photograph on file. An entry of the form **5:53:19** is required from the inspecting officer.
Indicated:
**7:33:57**
